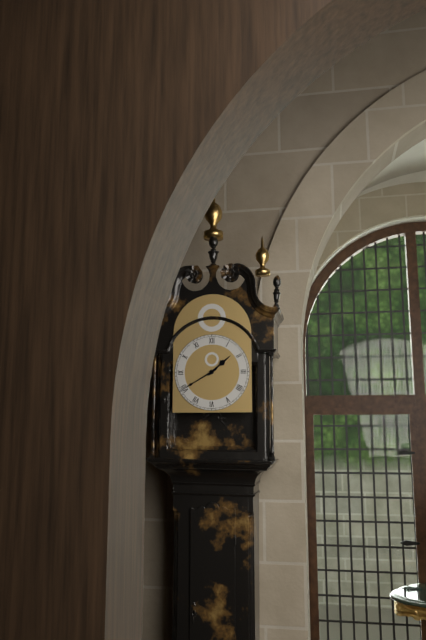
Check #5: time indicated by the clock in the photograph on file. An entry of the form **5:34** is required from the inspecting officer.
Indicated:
**1:40**
